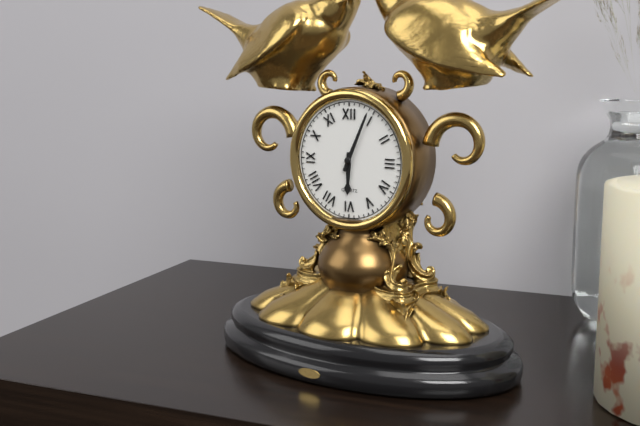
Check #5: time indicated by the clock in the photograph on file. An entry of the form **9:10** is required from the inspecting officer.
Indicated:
**6:04**
